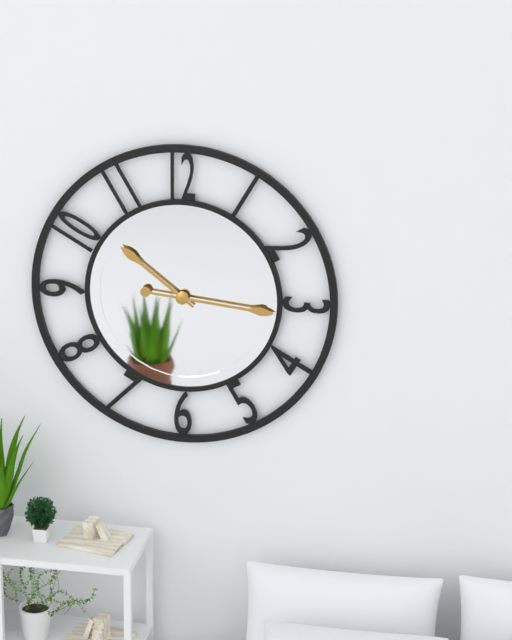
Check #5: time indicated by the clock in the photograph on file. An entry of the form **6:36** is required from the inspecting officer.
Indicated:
**10:16**
